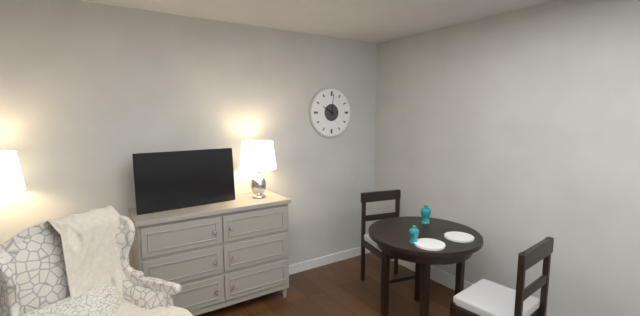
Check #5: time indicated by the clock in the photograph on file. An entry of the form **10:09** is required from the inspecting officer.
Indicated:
**10:01**
